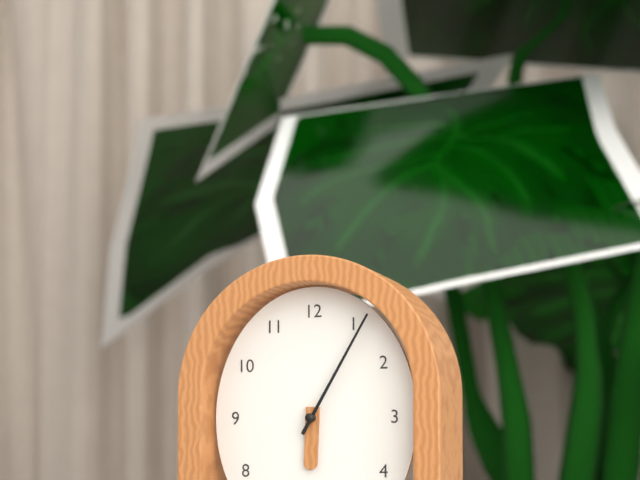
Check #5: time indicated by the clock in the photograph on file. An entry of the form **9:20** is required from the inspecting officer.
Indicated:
**6:05**
